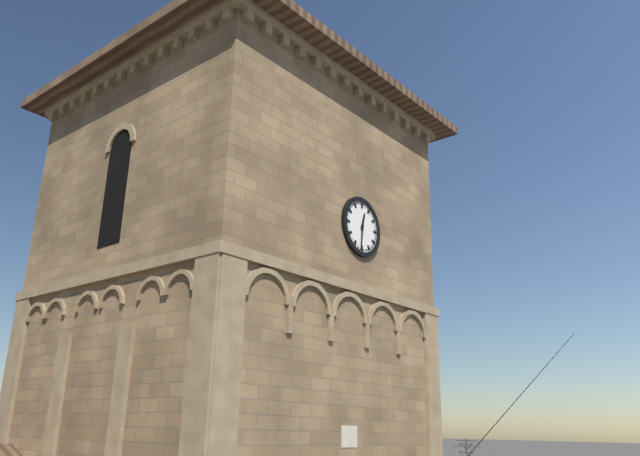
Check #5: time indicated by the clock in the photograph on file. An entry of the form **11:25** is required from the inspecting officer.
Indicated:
**12:31**
